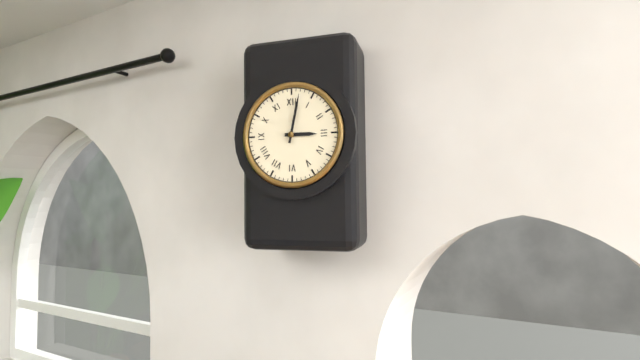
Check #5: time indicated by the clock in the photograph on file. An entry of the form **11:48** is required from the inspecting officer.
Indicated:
**3:02**
